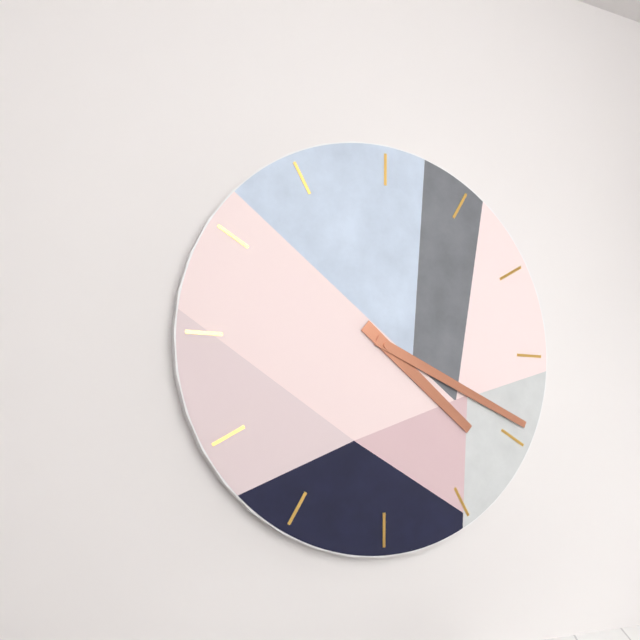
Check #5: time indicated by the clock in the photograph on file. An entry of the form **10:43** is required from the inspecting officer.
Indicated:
**4:19**
